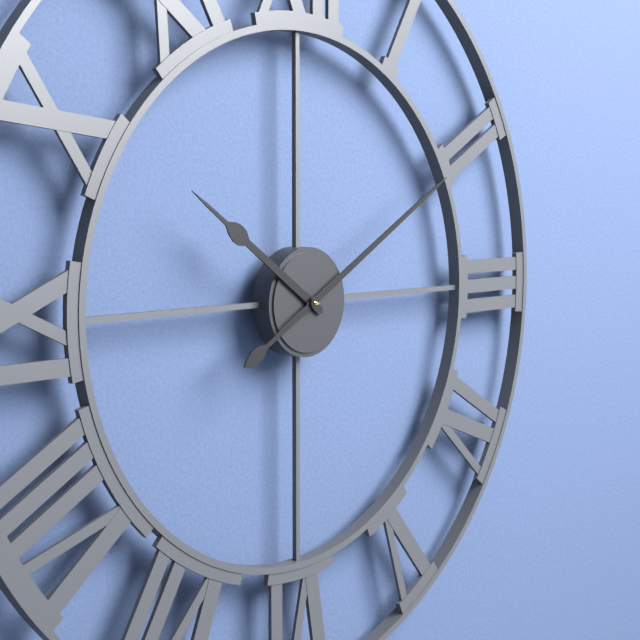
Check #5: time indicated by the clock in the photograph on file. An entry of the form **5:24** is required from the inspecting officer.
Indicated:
**10:10**
